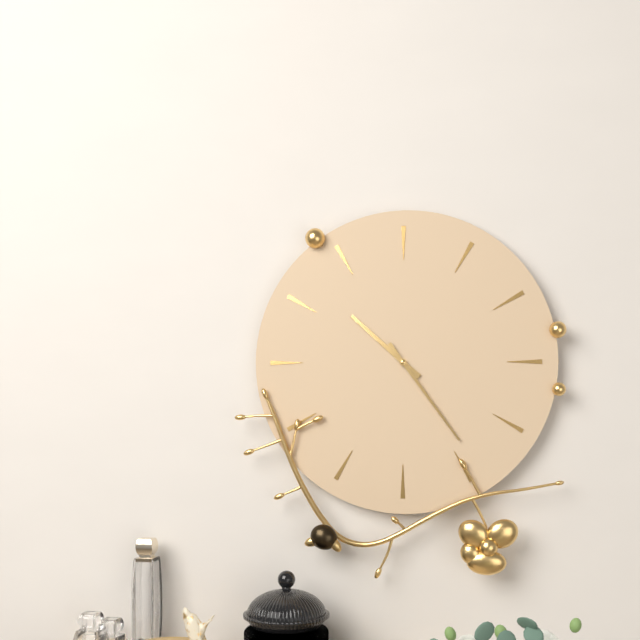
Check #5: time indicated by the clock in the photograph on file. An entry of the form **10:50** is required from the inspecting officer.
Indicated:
**10:24**
